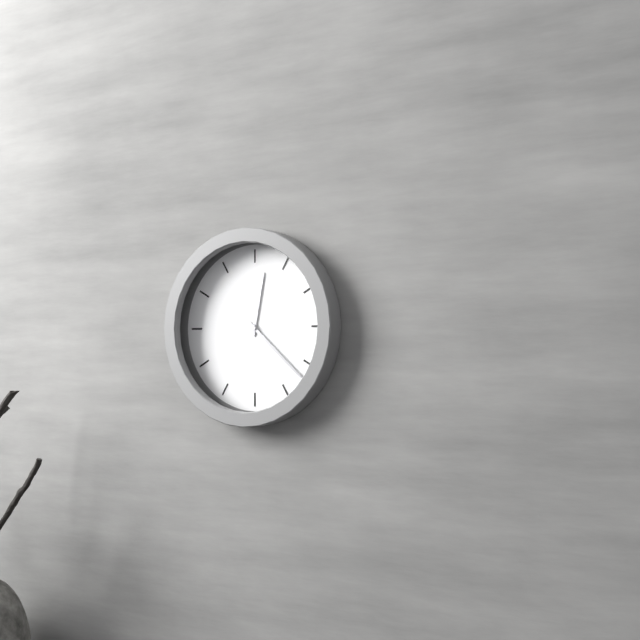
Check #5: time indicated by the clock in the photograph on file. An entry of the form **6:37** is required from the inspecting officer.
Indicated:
**12:22**
